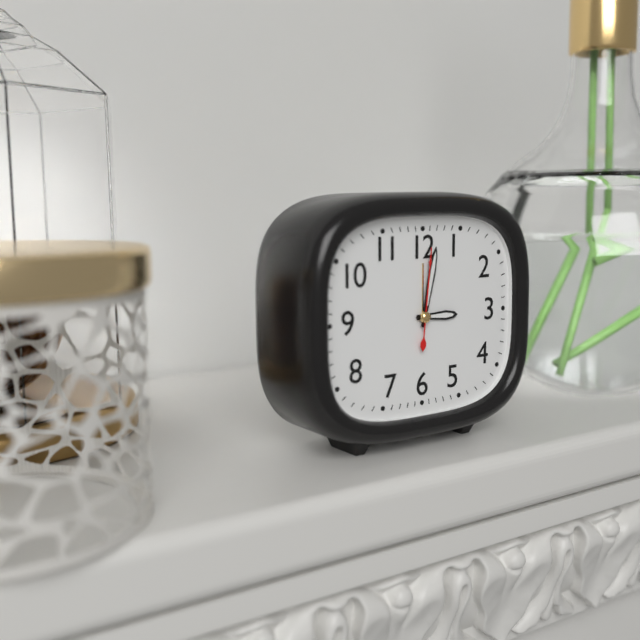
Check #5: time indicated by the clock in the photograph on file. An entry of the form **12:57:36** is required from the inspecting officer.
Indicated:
**3:02:01**
